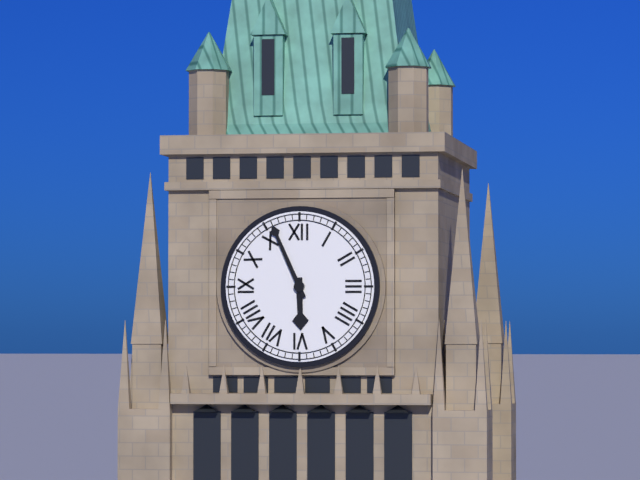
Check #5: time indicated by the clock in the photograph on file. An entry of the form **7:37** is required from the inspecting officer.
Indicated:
**5:56**
